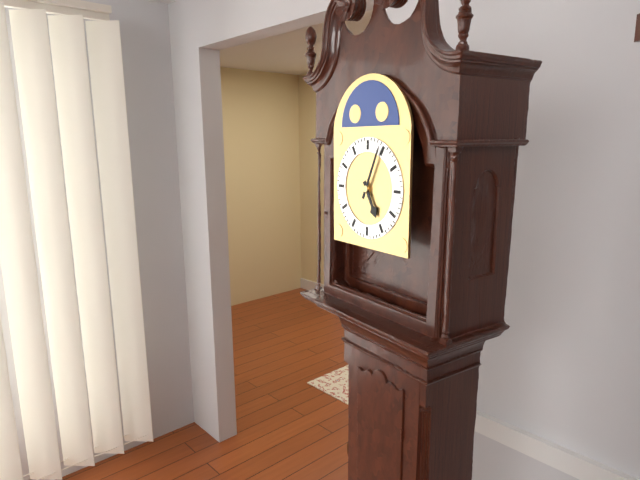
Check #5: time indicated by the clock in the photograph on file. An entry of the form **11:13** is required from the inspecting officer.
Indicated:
**5:04**
